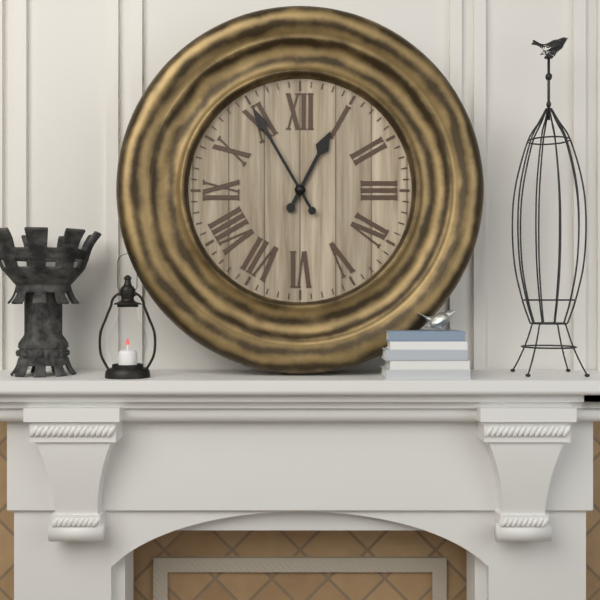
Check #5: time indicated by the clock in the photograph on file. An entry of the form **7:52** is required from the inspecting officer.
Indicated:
**12:55**
